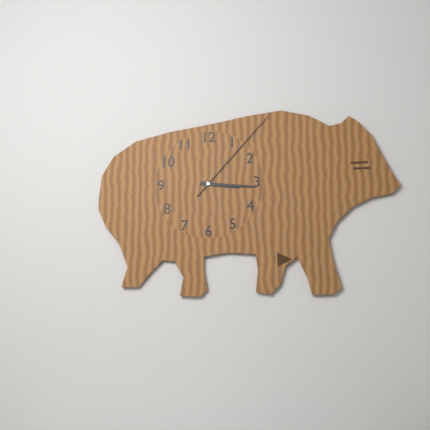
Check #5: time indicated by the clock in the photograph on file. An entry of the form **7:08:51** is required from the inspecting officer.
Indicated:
**3:16:07**
